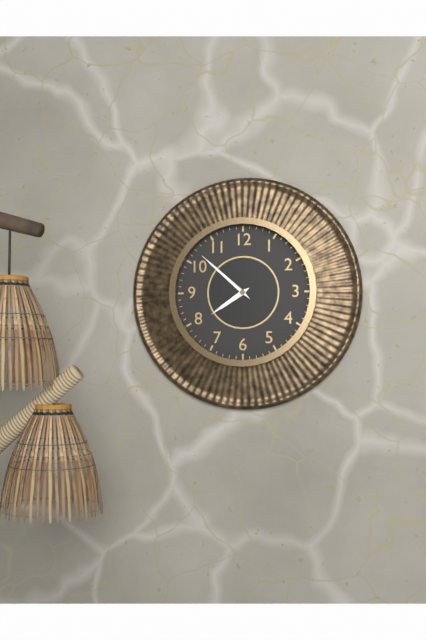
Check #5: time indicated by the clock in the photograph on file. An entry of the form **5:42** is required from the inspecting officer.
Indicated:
**7:52**
